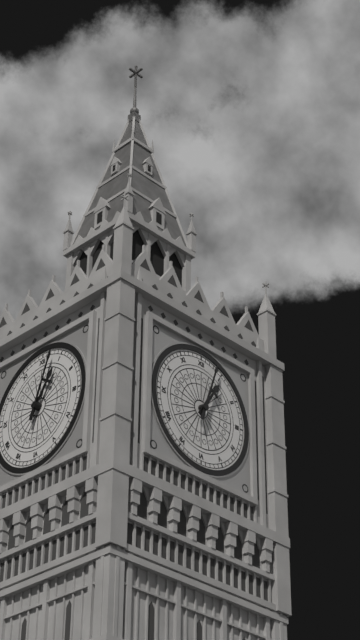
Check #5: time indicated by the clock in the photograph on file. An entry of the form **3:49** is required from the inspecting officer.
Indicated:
**1:03**
